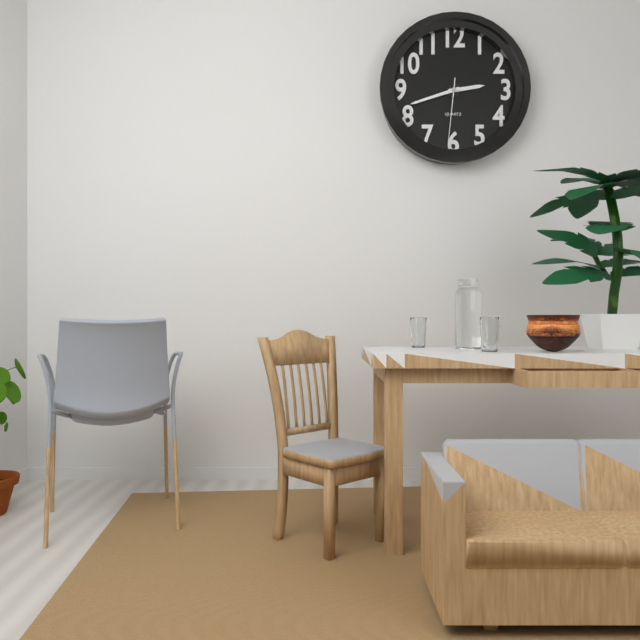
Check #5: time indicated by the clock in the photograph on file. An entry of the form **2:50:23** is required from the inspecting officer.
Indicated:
**2:42:31**
